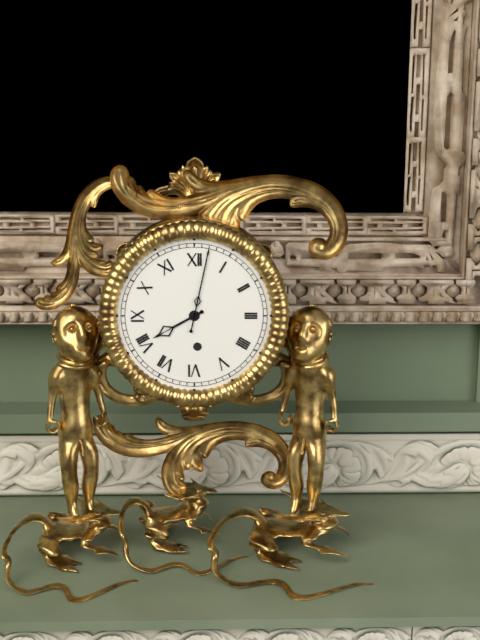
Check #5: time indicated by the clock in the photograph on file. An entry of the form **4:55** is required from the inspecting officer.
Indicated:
**8:02**
